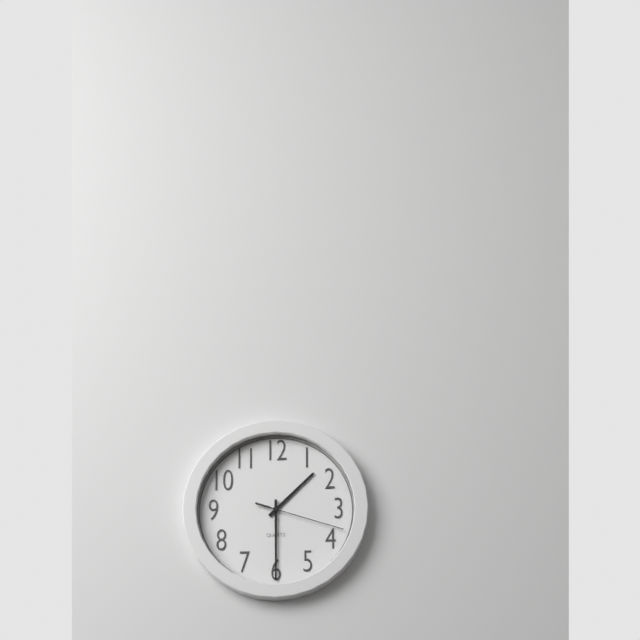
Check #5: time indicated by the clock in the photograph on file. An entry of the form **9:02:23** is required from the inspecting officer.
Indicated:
**1:30:18**
